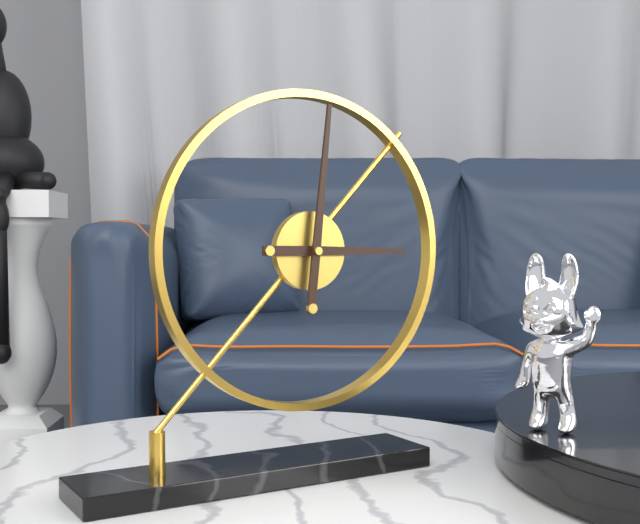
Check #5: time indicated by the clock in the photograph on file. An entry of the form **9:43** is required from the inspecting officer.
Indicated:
**3:01**
